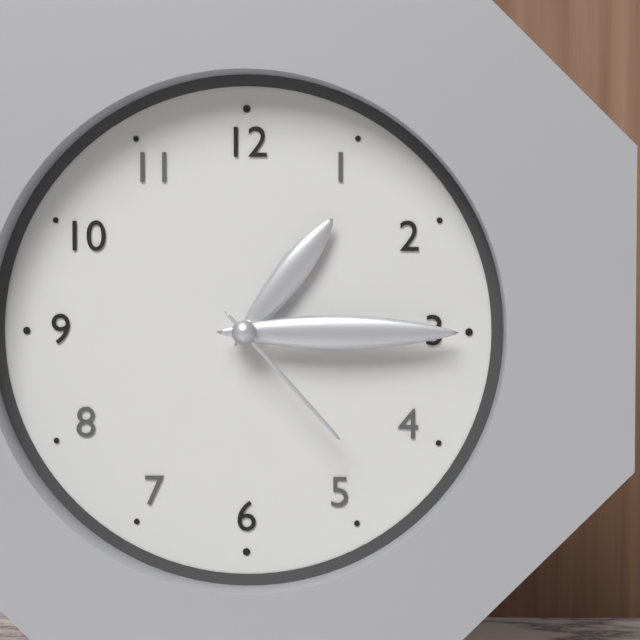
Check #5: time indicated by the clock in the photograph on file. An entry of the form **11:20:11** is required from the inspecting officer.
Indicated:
**1:15:23**
